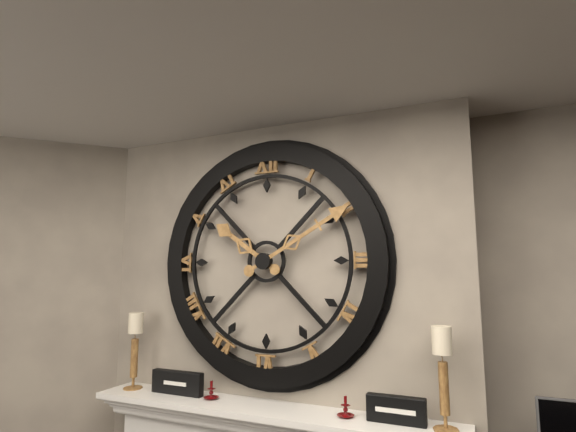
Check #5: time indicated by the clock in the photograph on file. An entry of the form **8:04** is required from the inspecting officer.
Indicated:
**10:10**
